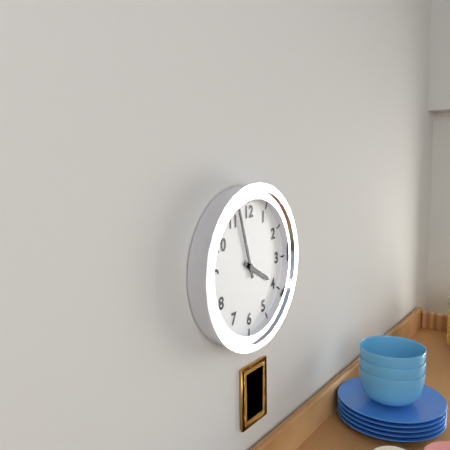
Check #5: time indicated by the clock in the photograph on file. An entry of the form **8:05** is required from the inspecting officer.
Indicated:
**3:57**
